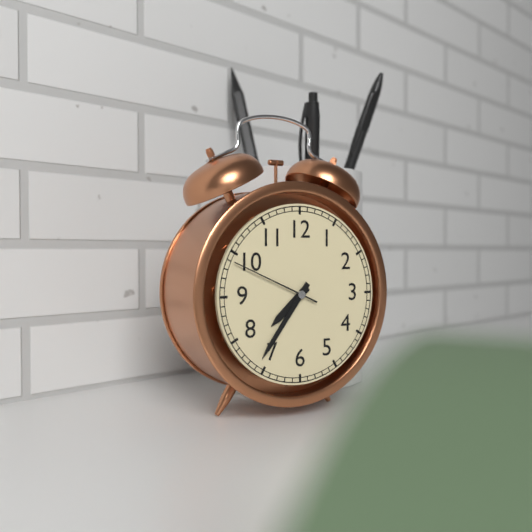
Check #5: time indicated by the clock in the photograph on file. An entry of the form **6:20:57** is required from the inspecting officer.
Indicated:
**7:36:49**
